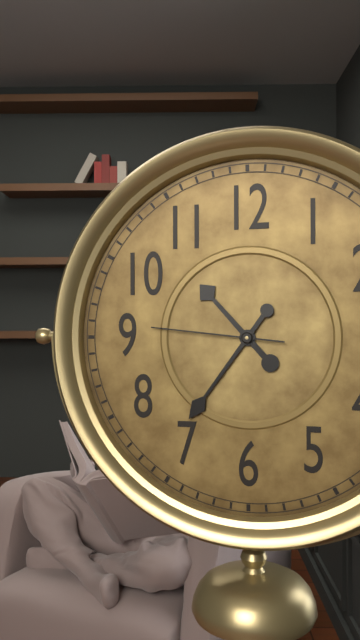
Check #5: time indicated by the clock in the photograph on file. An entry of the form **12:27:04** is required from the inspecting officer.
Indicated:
**10:36:46**
